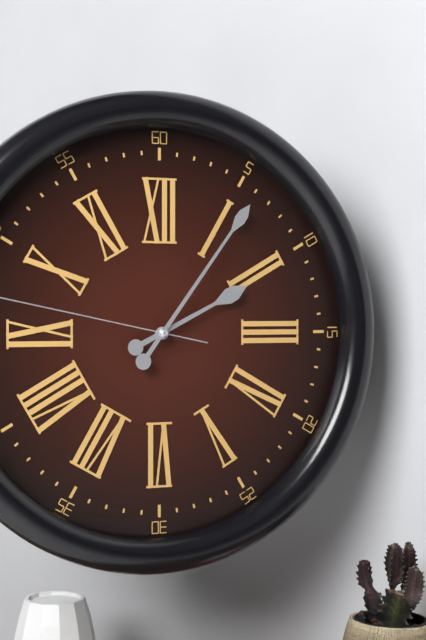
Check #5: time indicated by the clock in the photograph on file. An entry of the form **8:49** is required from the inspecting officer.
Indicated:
**2:06**
